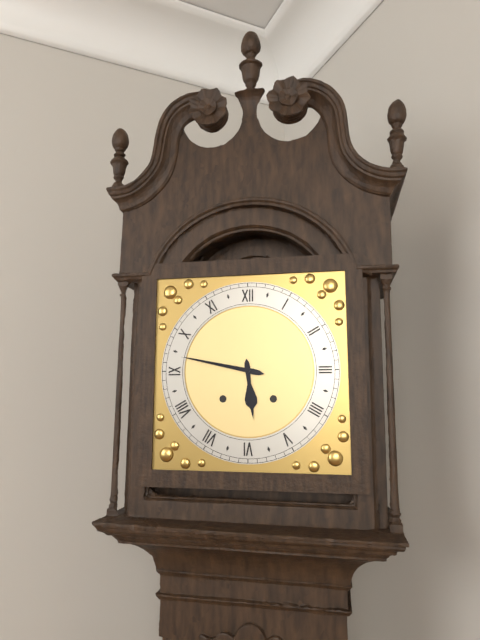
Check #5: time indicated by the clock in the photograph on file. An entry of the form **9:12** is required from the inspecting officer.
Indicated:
**5:47**
